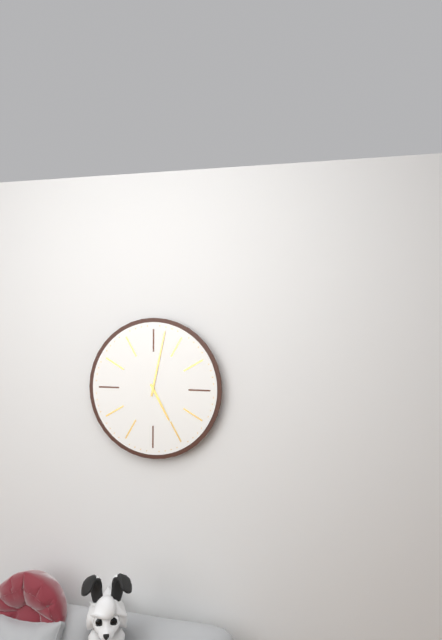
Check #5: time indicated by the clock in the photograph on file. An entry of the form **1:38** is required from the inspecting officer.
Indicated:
**5:02**
